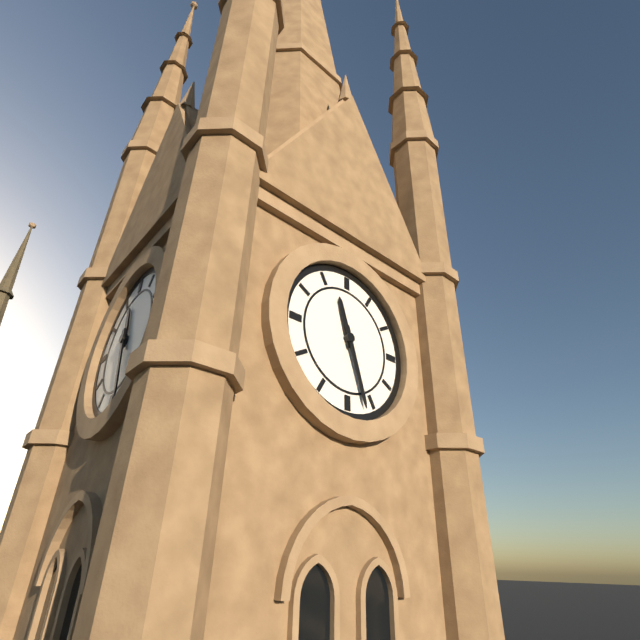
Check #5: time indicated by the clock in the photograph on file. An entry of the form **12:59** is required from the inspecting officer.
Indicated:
**11:27**
